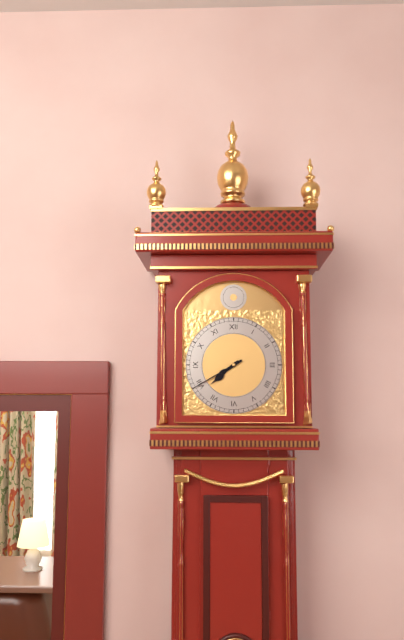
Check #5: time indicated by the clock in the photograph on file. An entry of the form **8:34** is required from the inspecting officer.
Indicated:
**7:40**
